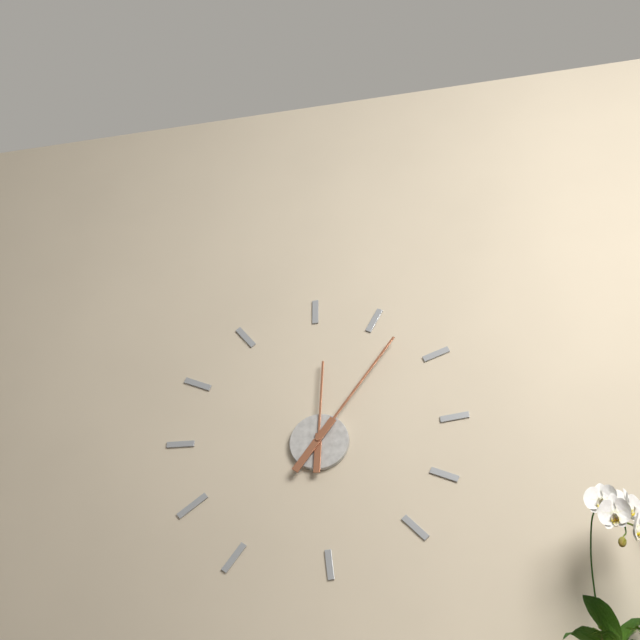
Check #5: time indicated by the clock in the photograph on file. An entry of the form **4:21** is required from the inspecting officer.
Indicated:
**12:06**
